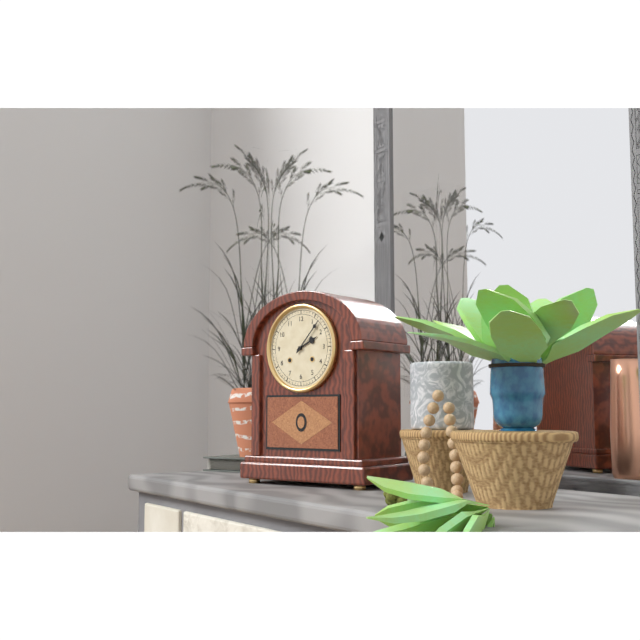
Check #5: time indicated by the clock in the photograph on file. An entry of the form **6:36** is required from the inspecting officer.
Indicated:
**2:07**
